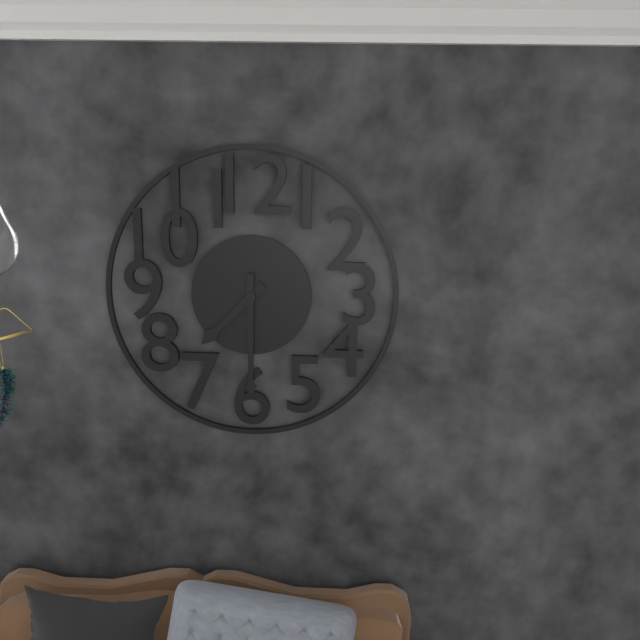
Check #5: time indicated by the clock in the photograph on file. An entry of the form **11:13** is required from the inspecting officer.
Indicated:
**7:30**
